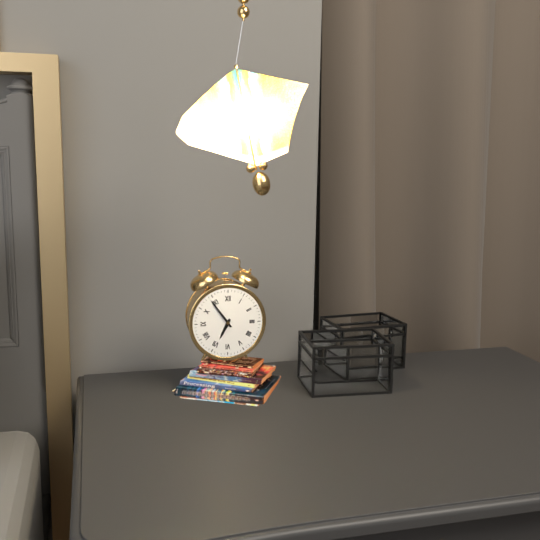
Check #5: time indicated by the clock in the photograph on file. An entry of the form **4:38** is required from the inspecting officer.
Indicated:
**6:54**
